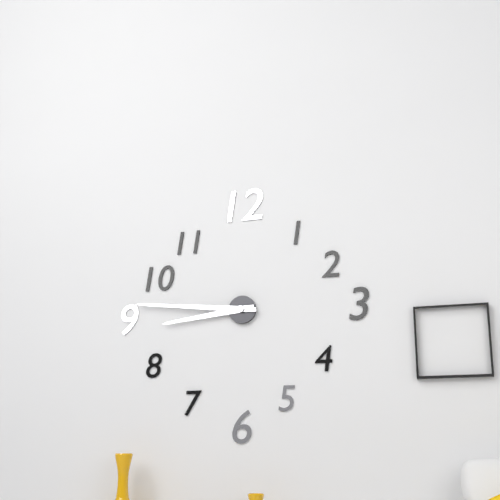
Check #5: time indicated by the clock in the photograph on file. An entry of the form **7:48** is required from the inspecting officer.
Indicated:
**8:46**
